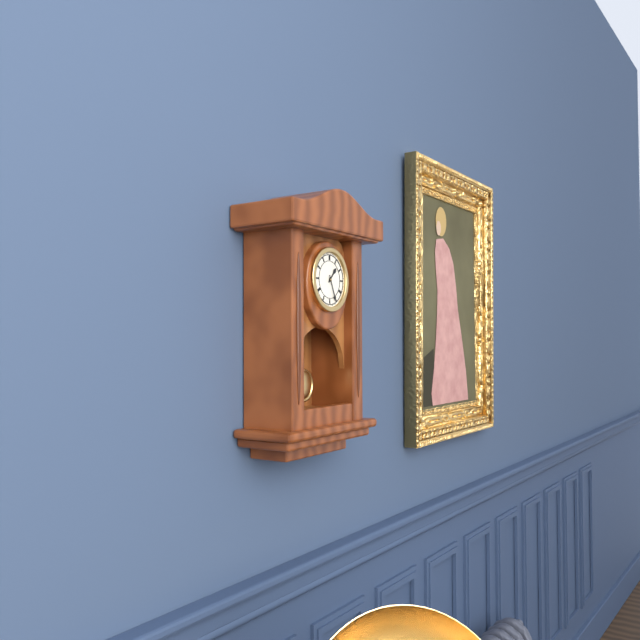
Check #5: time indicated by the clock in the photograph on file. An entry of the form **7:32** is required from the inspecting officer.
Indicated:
**1:26**
